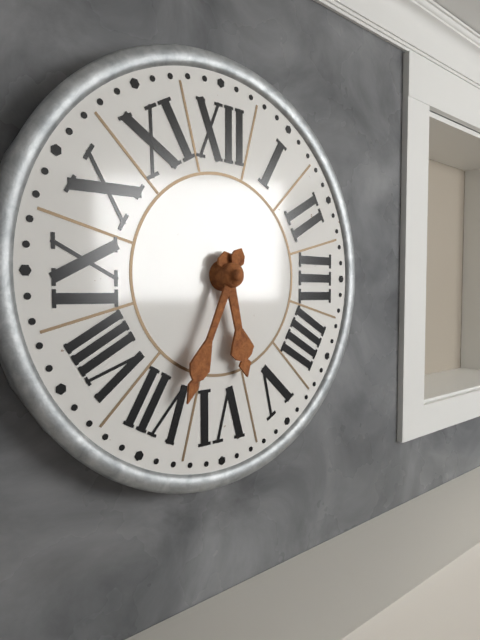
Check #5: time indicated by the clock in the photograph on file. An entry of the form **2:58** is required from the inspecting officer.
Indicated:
**5:34**
